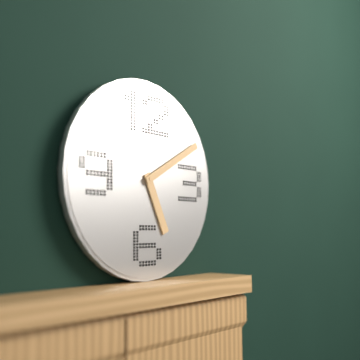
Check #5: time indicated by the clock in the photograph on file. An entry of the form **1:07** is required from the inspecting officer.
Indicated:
**5:10**
